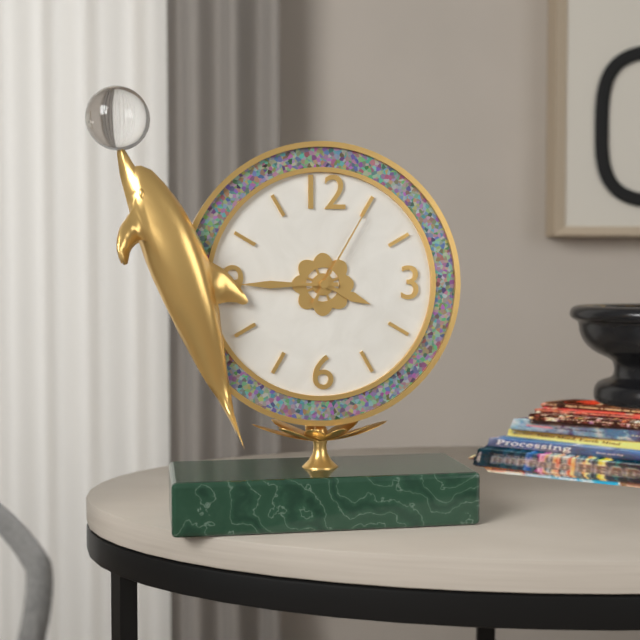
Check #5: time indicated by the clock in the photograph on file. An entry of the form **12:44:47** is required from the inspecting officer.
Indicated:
**3:45:05**
